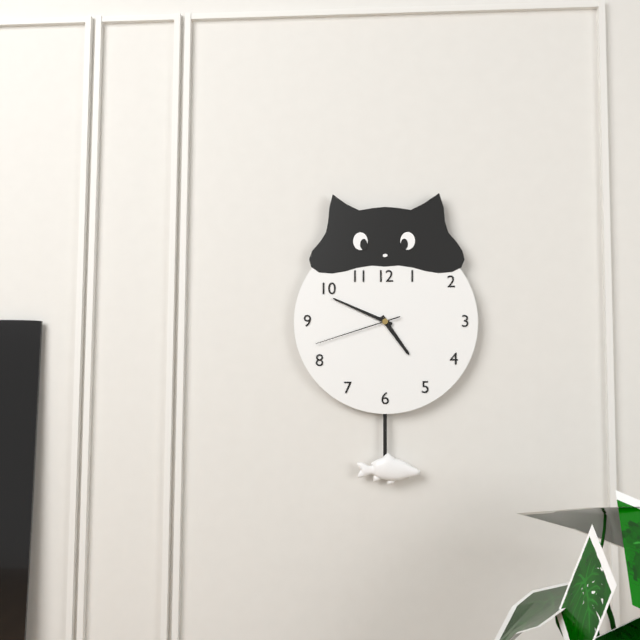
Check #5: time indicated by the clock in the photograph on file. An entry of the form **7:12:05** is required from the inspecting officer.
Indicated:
**4:49:42**
